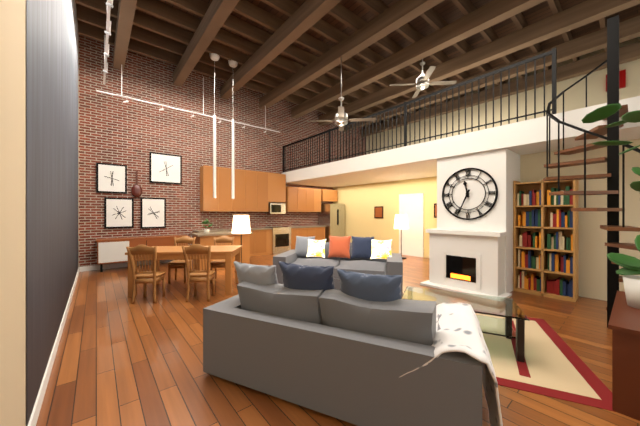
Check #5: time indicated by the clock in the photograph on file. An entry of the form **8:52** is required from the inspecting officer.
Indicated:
**11:34**
